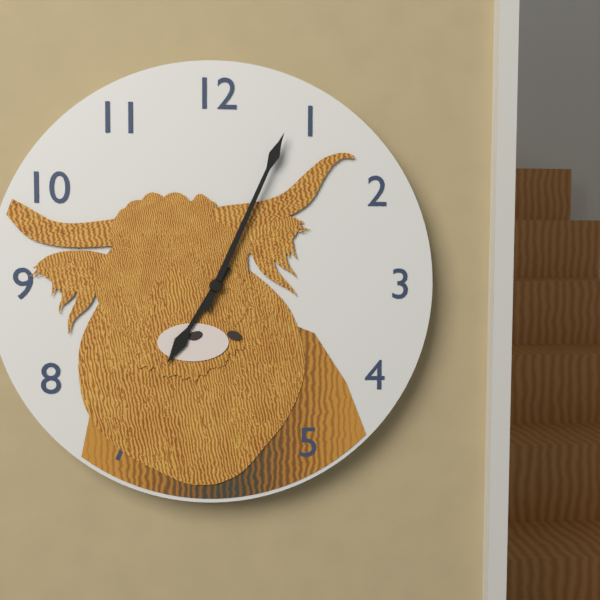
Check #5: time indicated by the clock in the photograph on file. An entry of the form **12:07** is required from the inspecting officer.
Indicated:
**7:04**
